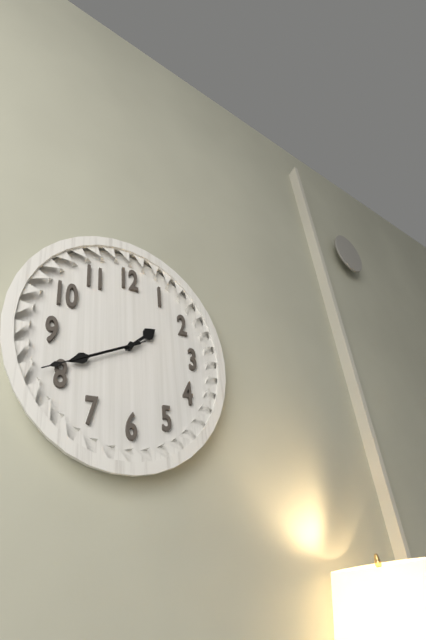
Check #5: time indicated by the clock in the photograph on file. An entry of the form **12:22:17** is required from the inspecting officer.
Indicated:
**1:41:41**
